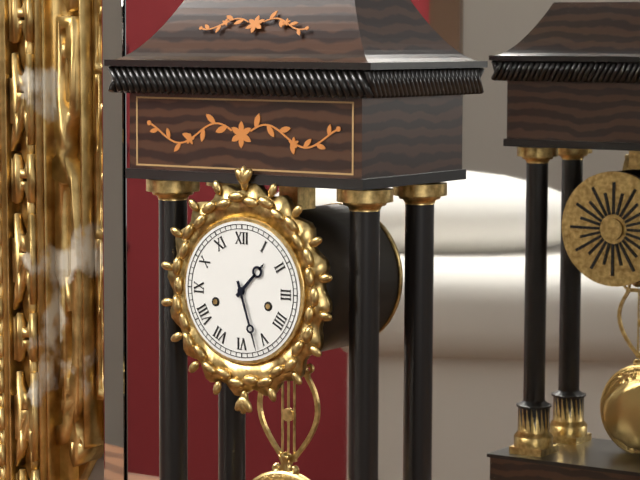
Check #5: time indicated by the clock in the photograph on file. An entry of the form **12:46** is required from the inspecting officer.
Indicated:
**1:27**
